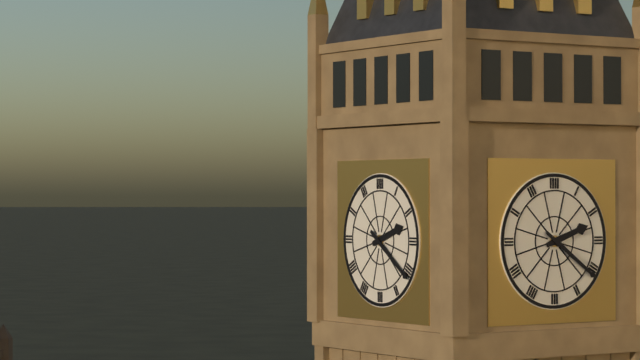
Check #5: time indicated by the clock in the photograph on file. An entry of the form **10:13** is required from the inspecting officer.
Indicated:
**2:21**
